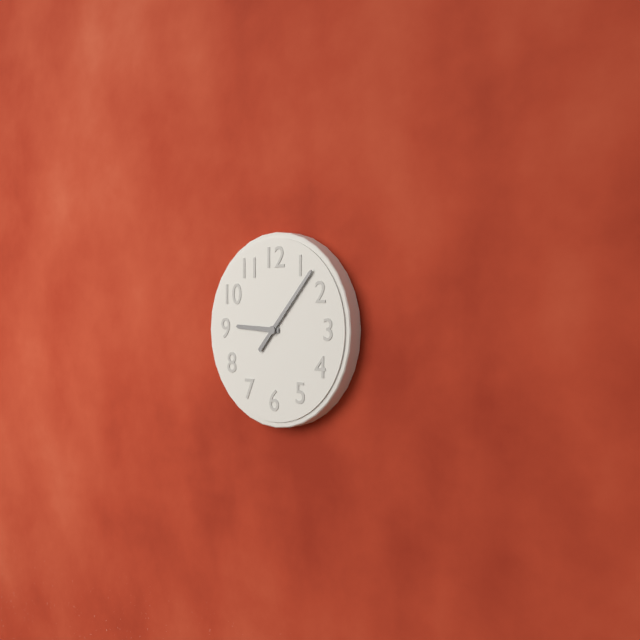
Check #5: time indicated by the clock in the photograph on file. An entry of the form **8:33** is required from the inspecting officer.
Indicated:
**9:07**
